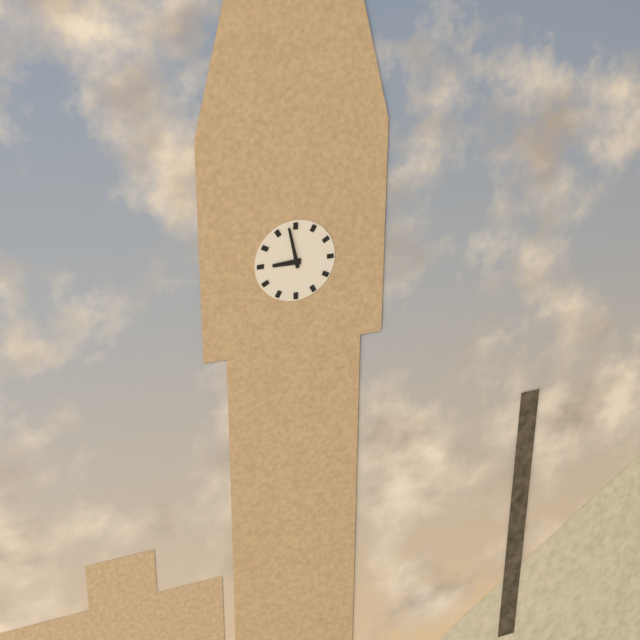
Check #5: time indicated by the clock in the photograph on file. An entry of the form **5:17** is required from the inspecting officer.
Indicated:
**8:58**
